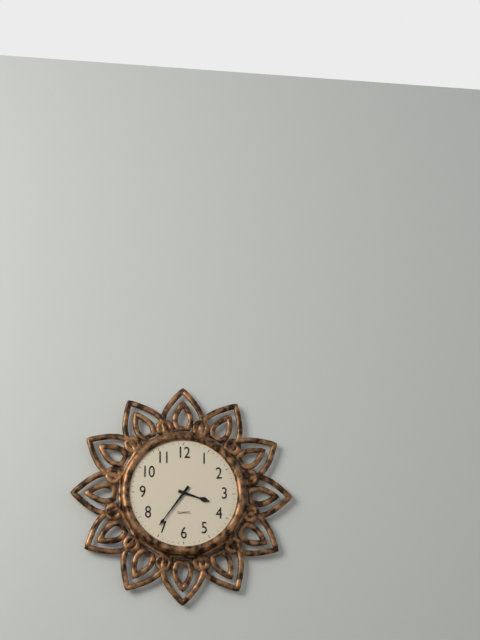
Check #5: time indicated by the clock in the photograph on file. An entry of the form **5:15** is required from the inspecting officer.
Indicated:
**3:36**
